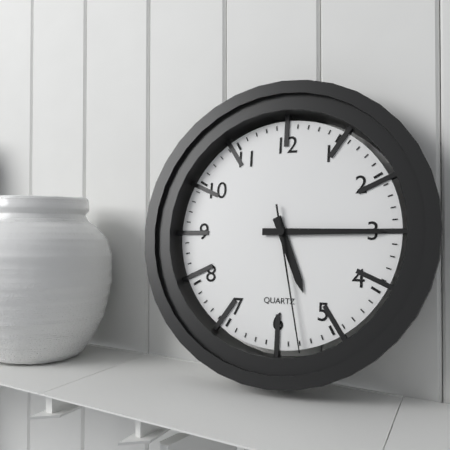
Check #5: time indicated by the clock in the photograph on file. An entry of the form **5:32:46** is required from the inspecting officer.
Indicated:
**5:15:28**
